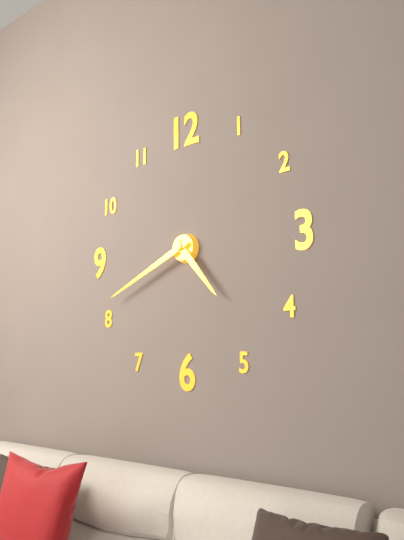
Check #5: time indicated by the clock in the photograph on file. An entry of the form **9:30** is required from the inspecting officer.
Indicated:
**4:41**
